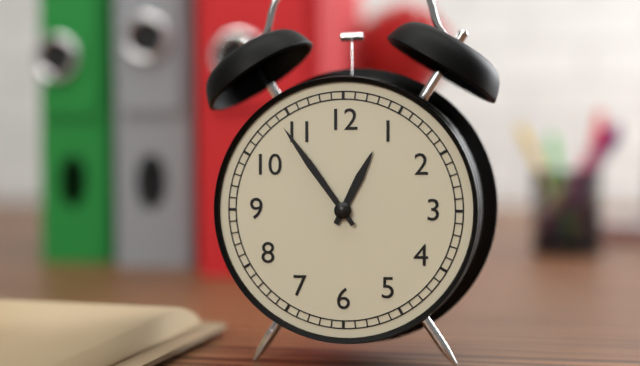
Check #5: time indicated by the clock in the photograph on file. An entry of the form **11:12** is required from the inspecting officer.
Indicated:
**12:54**
